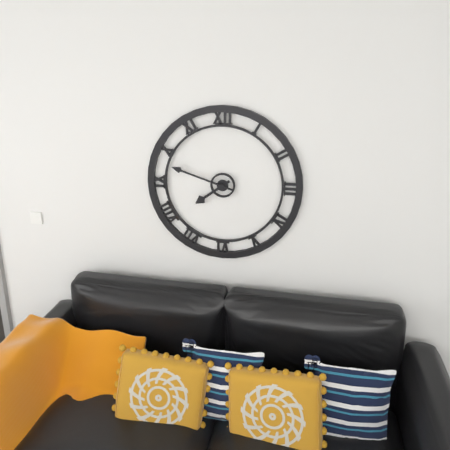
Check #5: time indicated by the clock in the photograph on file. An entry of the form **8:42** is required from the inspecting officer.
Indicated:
**7:48**
